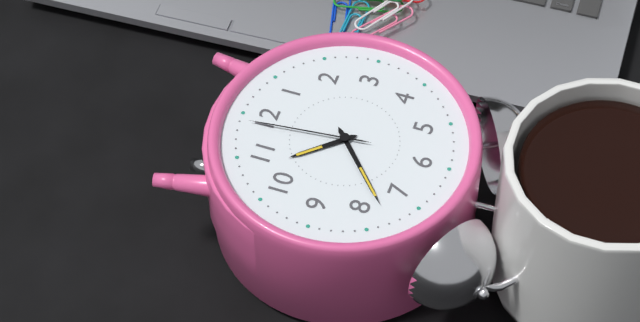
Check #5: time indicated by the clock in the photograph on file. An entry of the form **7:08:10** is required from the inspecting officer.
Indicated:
**10:38:59**
